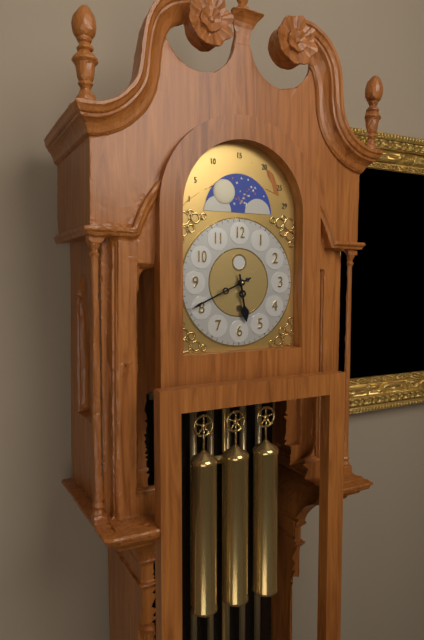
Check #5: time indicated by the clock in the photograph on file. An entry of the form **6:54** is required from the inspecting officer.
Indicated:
**5:41**
